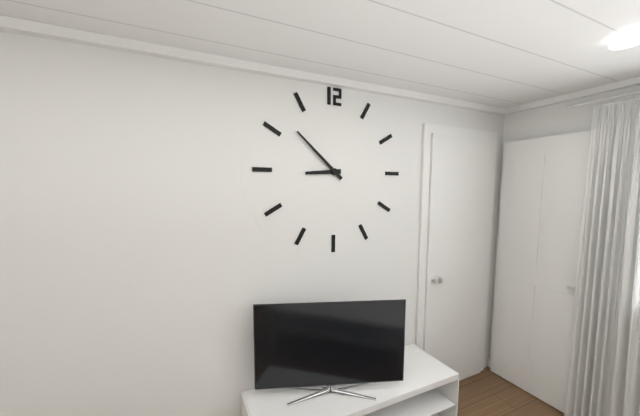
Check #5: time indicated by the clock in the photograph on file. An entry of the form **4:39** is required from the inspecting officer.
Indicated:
**8:52**
